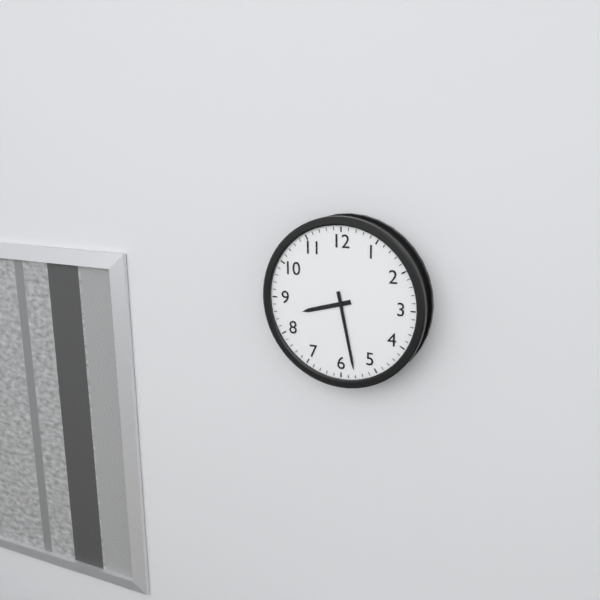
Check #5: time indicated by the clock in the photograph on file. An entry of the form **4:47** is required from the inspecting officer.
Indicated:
**8:28**
